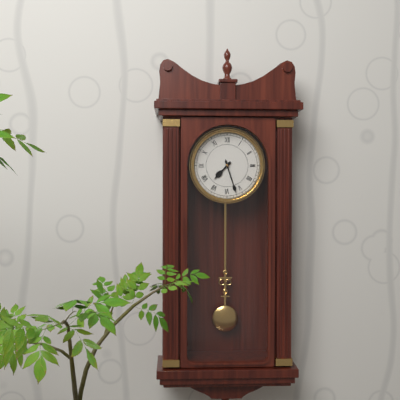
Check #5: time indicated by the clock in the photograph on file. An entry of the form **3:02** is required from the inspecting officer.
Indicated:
**7:27**
